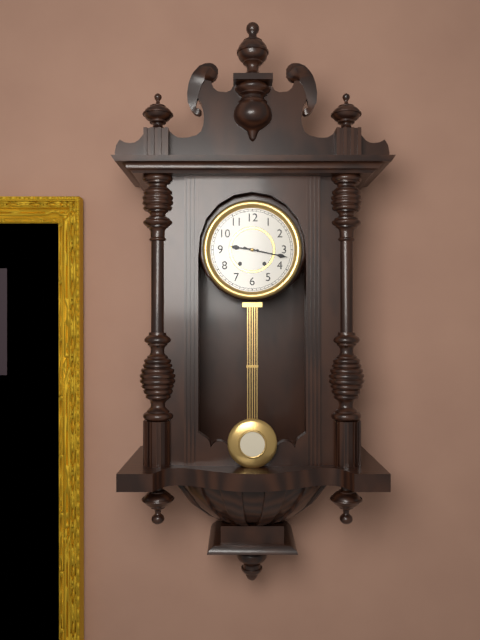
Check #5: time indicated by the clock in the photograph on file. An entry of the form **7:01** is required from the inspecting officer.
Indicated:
**9:17**
